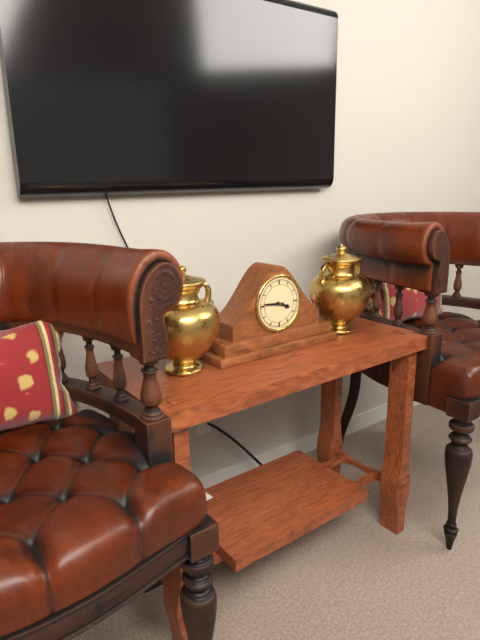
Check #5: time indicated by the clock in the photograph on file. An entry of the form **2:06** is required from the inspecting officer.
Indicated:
**3:46**
